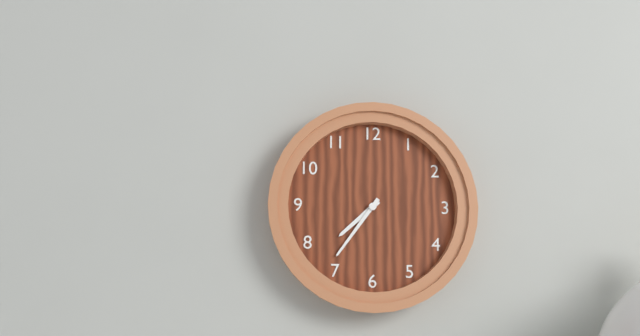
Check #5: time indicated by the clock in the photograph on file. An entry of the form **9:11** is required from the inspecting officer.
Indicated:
**7:36**
